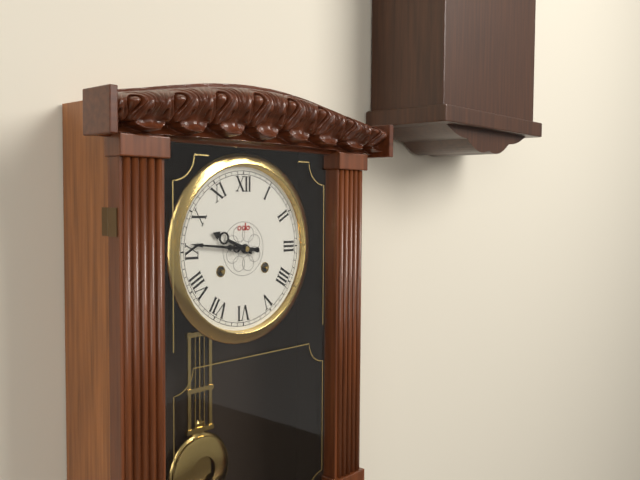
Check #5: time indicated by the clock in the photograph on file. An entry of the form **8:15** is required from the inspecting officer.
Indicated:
**9:46**
